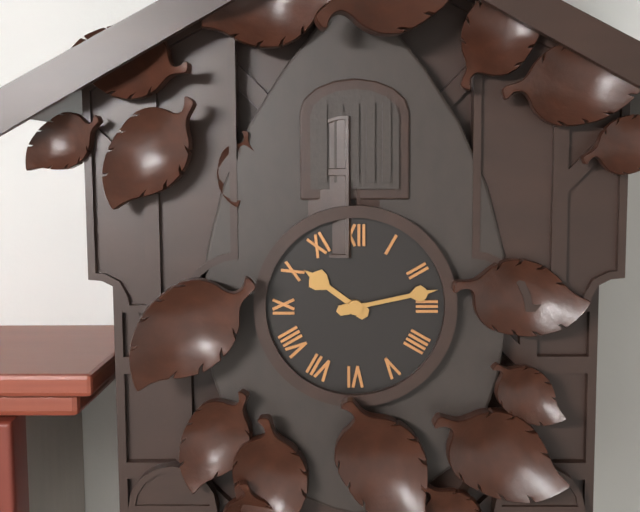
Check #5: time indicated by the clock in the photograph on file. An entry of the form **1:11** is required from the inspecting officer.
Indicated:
**10:13**
